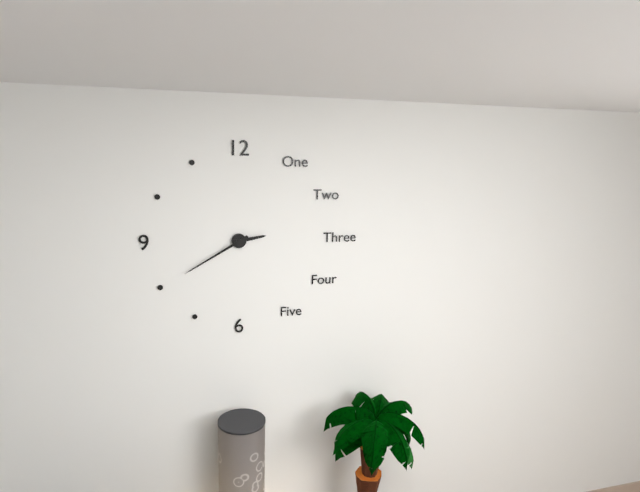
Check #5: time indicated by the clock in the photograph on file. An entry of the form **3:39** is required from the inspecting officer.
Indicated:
**2:40**
